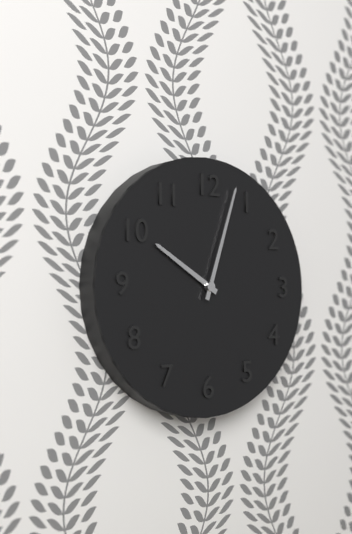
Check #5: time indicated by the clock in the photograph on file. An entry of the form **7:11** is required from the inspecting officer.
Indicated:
**10:03**
